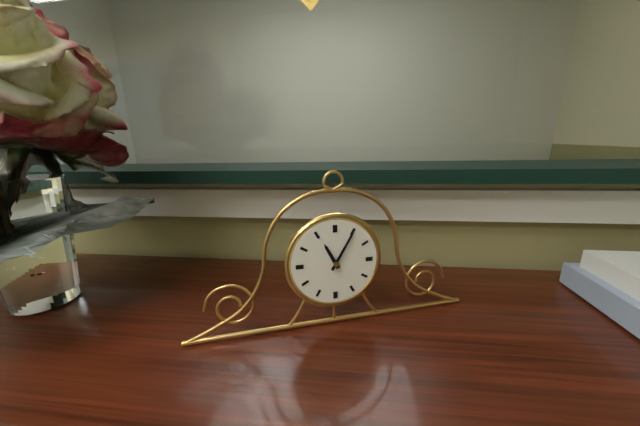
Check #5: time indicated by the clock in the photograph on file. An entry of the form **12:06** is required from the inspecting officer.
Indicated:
**11:05**
